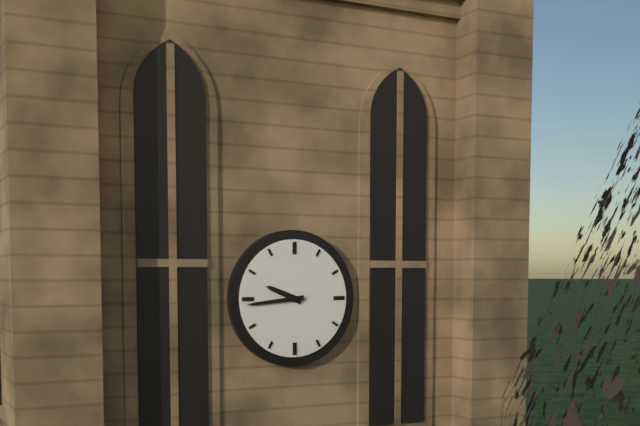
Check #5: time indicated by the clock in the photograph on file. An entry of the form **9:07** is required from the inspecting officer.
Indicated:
**9:44**
